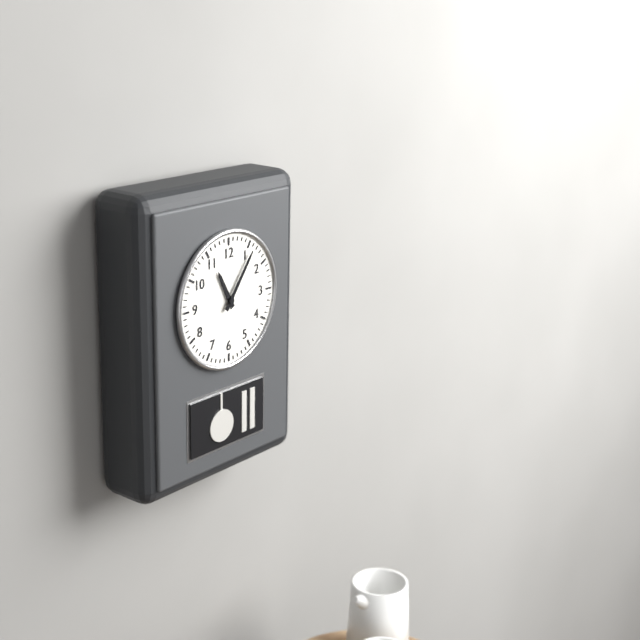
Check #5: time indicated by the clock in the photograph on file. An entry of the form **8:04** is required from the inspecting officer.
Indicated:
**11:06**
